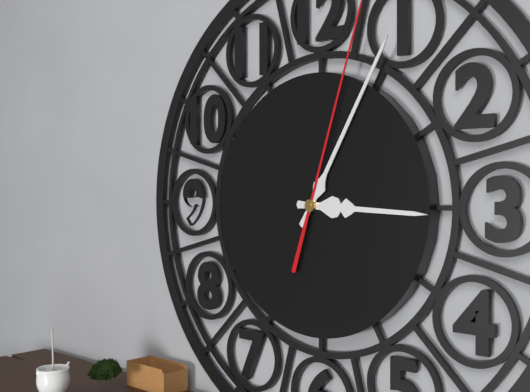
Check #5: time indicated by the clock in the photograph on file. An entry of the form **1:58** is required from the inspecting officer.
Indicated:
**3:05**
